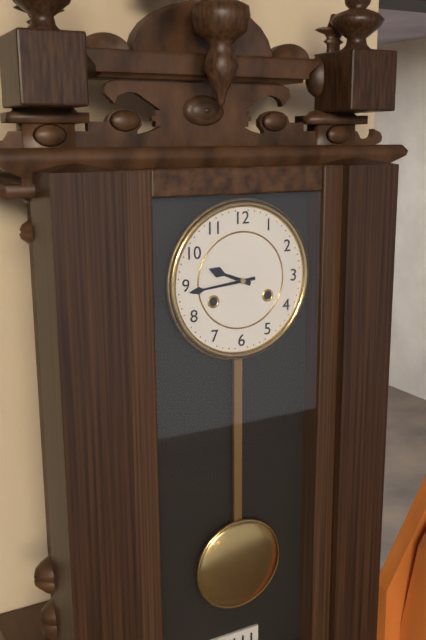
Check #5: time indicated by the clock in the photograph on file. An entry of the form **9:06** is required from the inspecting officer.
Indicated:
**9:44**
